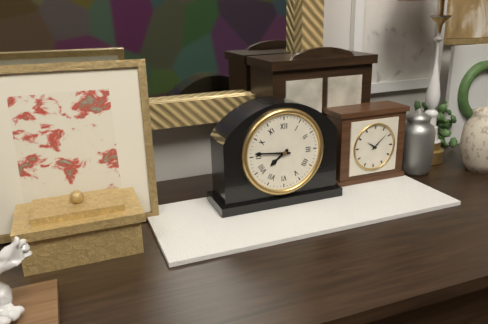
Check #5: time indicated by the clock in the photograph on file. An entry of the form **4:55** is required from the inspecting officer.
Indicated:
**7:46**
